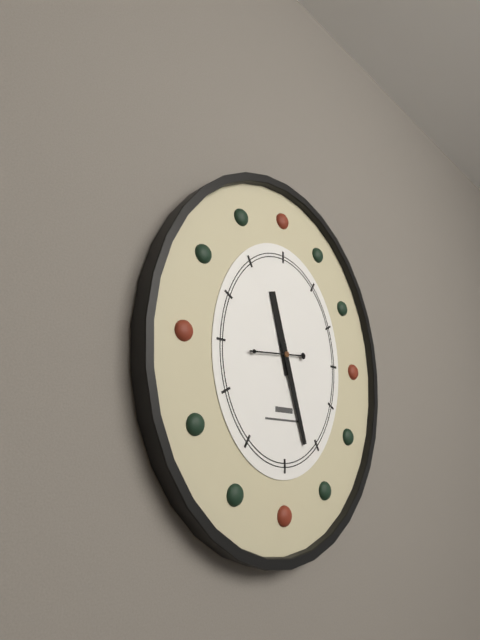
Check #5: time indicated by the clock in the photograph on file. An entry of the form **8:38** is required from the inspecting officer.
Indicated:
**11:27**
